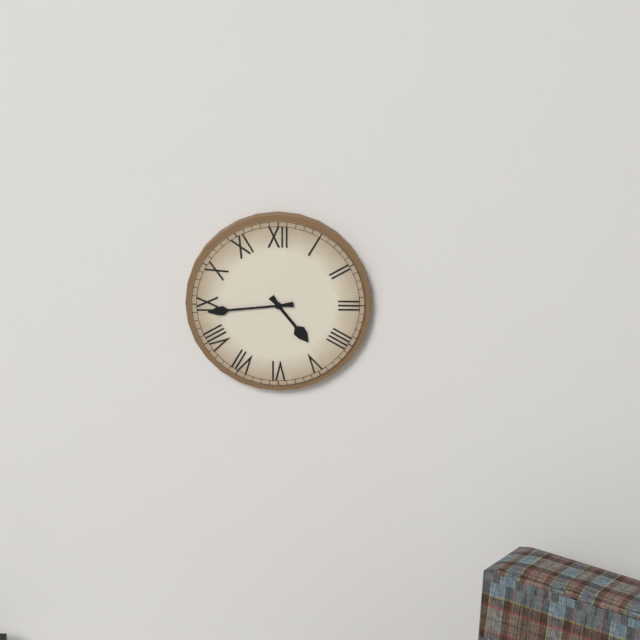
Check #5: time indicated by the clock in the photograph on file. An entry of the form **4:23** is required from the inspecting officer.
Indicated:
**4:44**
